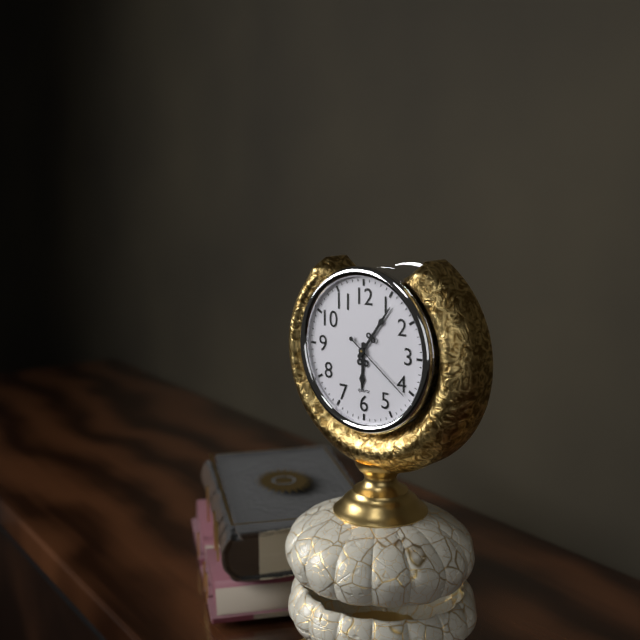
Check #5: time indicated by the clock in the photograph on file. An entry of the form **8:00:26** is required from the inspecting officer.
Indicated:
**6:06:21**
